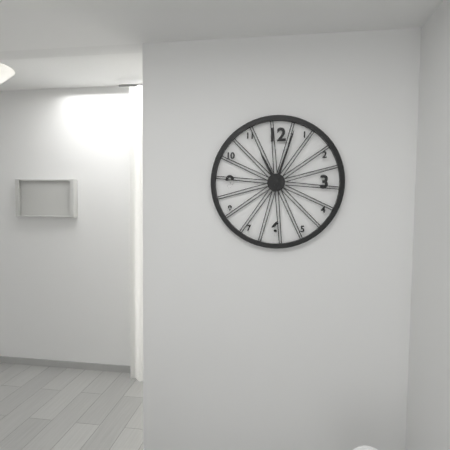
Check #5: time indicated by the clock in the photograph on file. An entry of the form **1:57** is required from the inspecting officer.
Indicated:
**11:03**
